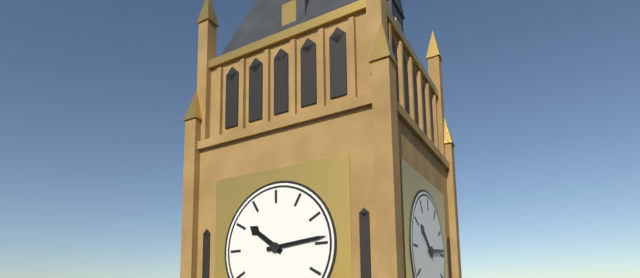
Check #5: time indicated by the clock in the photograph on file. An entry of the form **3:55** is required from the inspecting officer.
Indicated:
**10:14**
